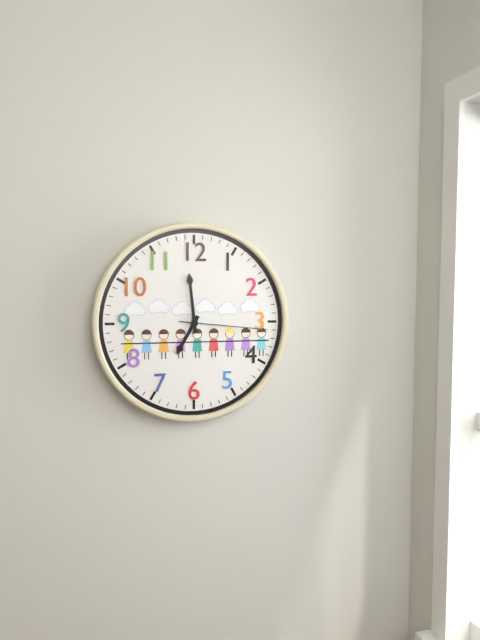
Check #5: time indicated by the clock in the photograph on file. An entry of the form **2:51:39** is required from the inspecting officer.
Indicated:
**6:59:16**
